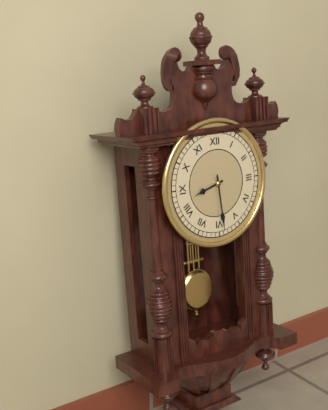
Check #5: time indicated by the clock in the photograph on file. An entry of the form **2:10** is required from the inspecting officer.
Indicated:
**8:29**
